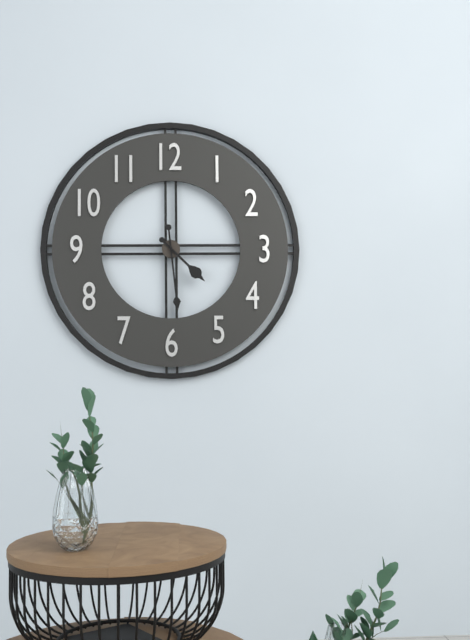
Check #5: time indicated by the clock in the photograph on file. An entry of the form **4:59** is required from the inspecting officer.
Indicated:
**4:29**
